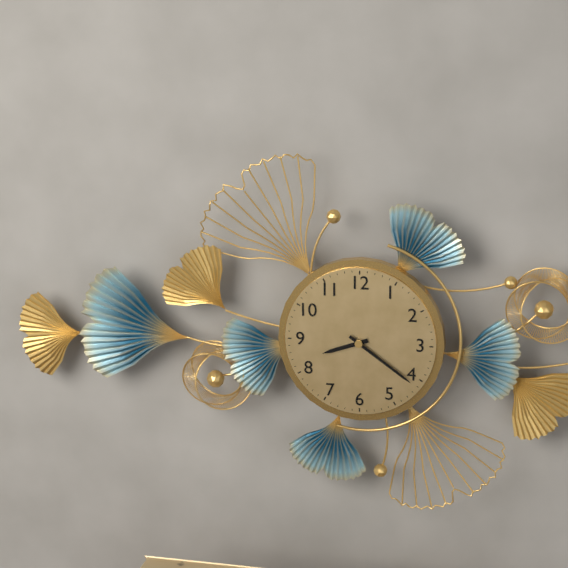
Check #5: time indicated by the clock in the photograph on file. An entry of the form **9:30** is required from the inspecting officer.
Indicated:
**8:21**
